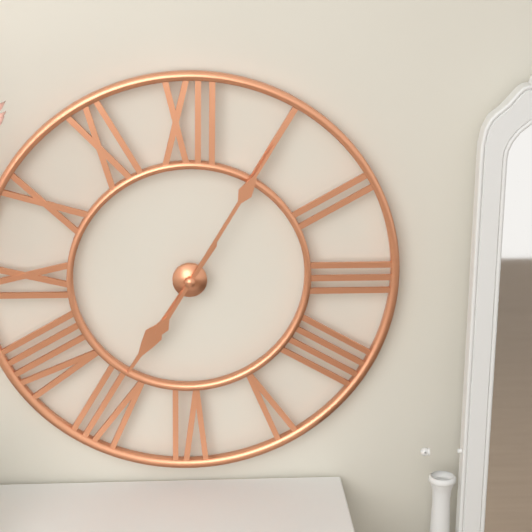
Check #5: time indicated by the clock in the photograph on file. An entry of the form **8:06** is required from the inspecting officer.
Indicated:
**7:05**
